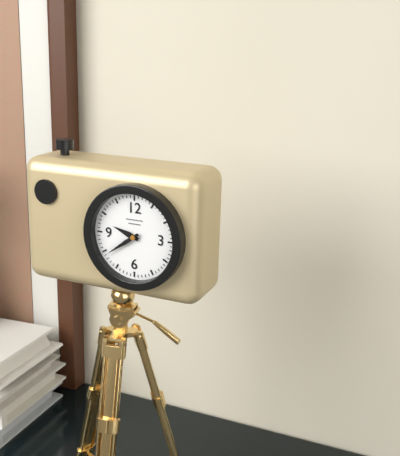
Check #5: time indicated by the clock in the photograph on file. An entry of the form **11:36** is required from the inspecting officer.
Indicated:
**9:39**
